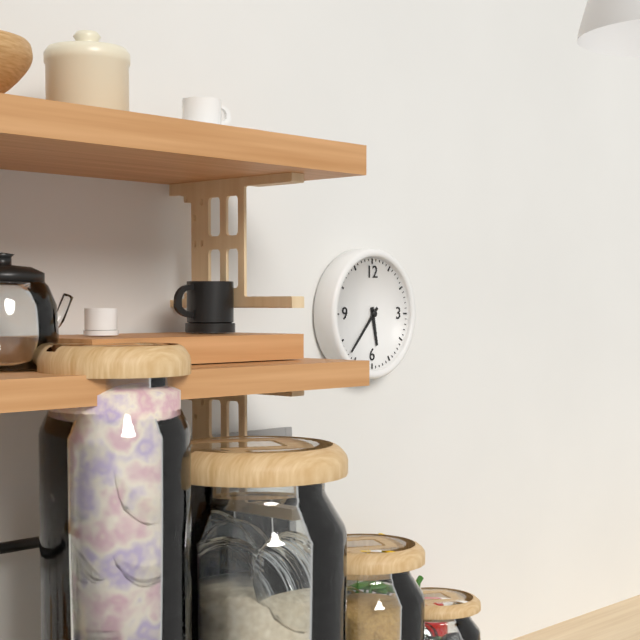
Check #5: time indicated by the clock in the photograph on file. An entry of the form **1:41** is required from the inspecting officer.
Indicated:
**5:37**
